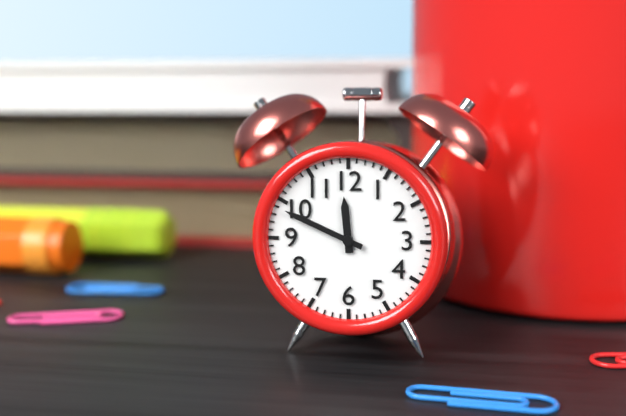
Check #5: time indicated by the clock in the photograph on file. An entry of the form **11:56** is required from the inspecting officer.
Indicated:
**11:49**
